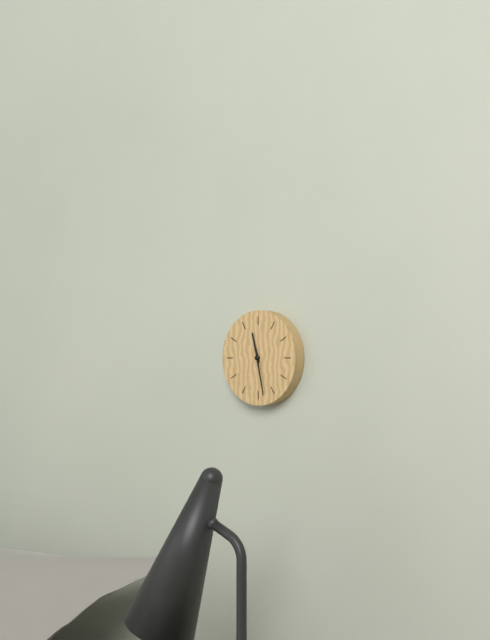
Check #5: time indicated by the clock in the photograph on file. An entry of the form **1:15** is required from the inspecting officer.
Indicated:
**11:28**
